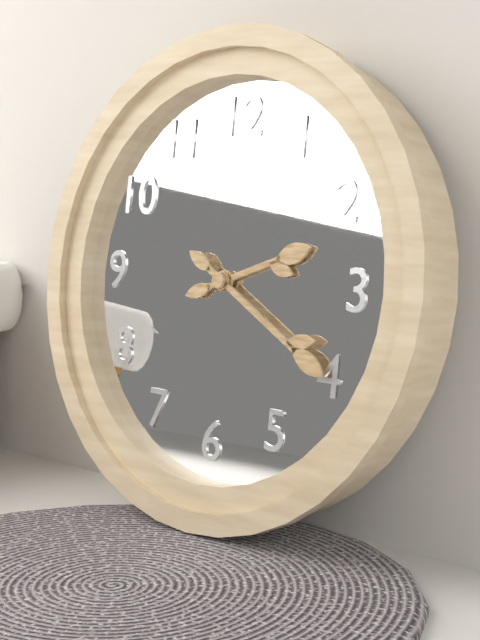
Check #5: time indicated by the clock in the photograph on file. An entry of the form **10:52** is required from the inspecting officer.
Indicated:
**2:20**
